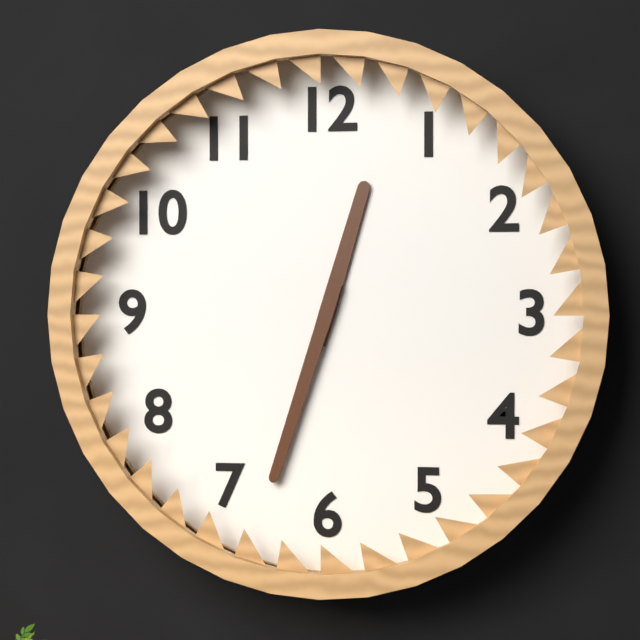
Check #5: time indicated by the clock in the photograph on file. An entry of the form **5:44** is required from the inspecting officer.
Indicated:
**12:33**
